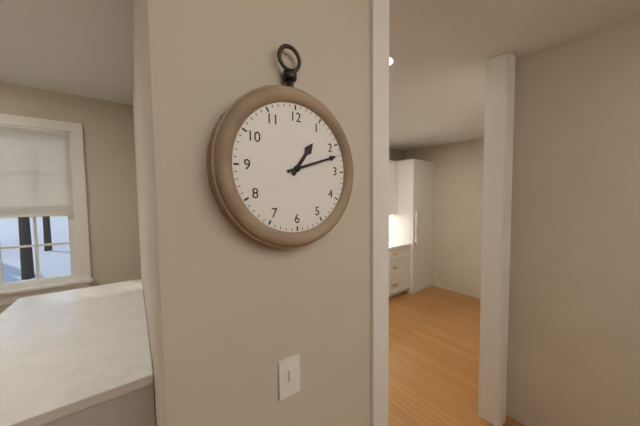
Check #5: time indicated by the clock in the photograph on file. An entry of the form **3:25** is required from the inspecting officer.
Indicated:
**1:12**
